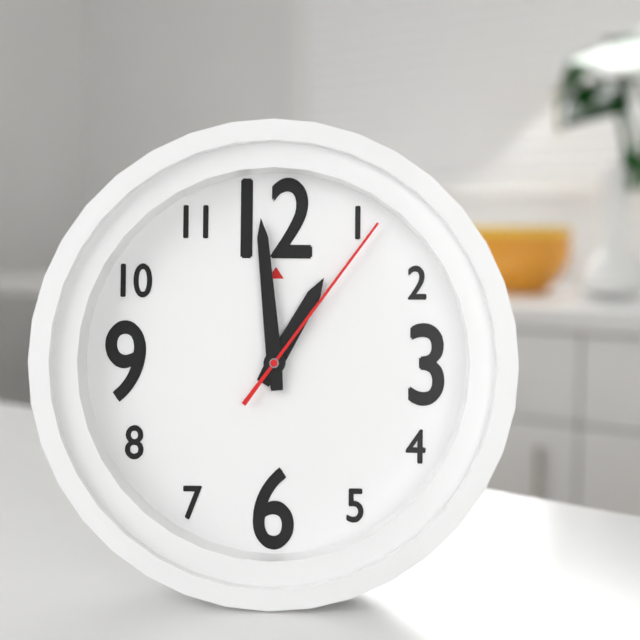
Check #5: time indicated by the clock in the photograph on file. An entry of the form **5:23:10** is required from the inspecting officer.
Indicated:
**12:59:06**
